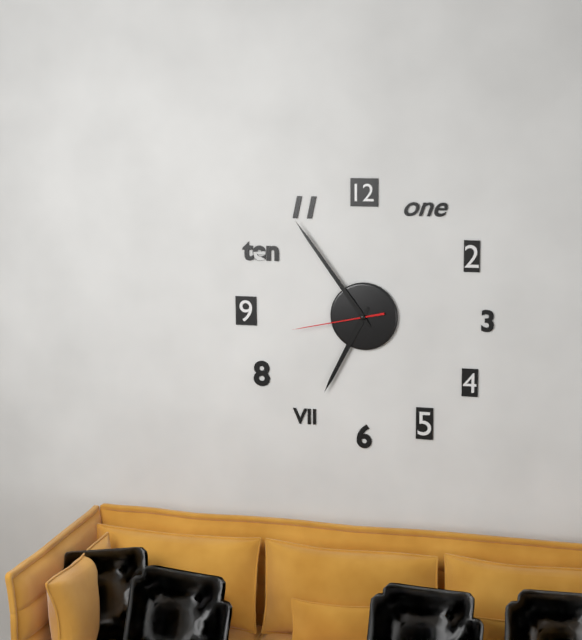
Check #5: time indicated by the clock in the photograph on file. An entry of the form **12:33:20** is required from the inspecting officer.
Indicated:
**6:54:43**
